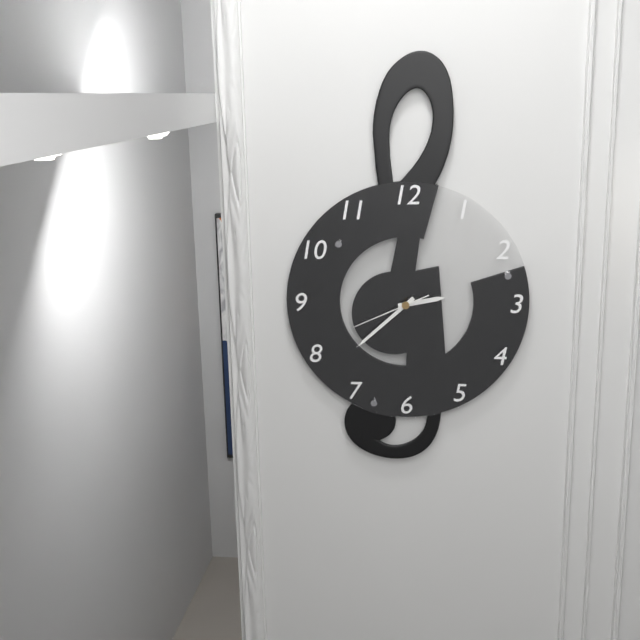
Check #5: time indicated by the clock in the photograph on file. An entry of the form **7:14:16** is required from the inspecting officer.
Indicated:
**2:38:41**
